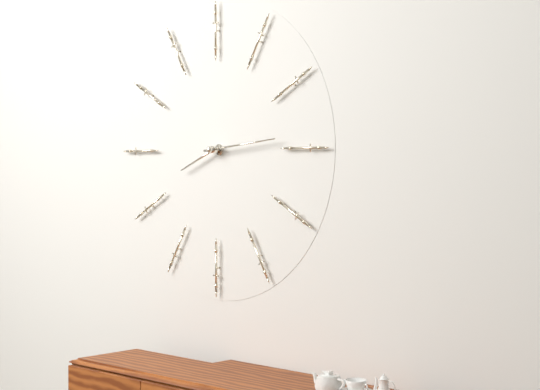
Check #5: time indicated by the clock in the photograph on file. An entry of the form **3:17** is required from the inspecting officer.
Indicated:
**8:14**
